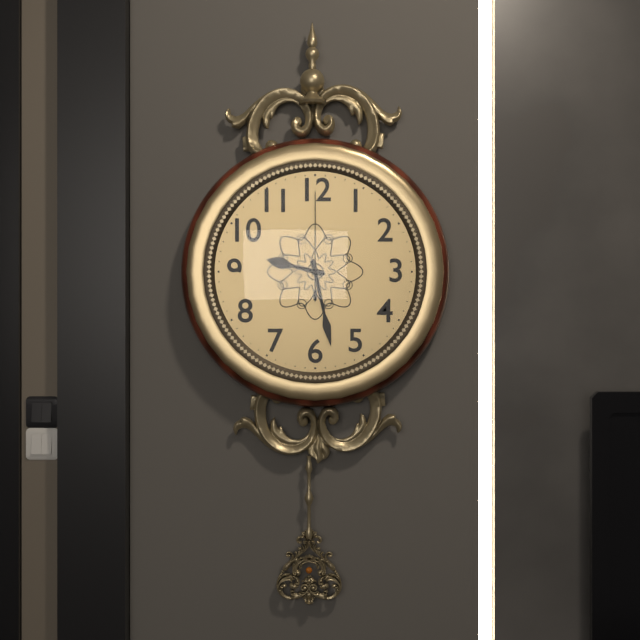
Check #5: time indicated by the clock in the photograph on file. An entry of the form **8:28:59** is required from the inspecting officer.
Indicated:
**9:28:00**
